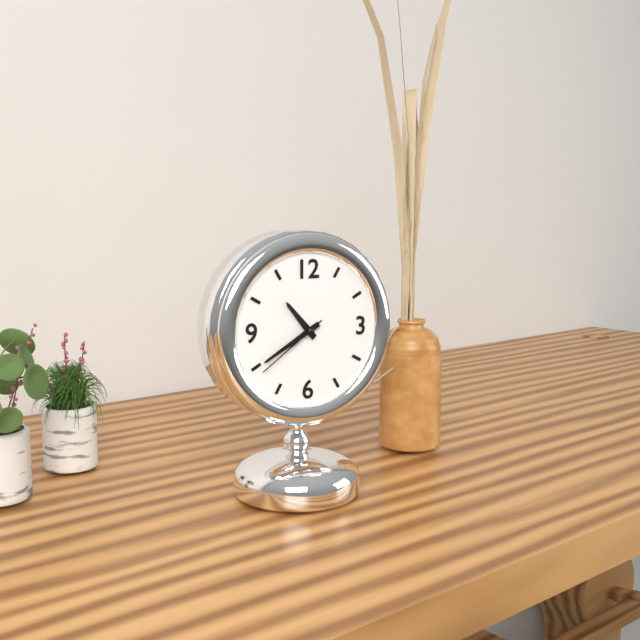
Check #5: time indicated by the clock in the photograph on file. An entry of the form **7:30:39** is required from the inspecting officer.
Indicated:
**10:40:39**
